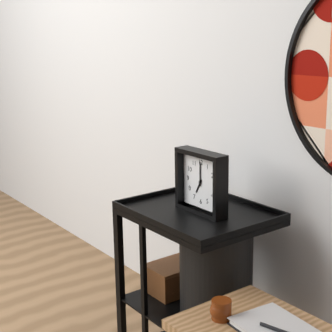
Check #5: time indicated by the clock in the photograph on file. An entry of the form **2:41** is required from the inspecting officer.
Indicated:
**7:00**
